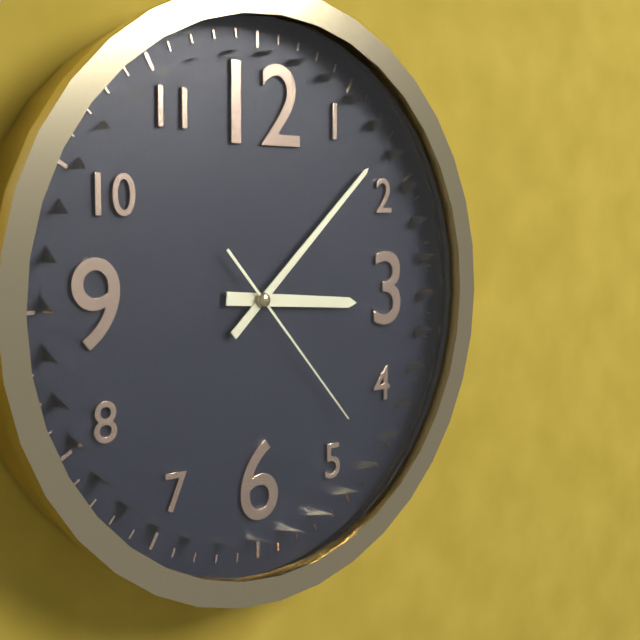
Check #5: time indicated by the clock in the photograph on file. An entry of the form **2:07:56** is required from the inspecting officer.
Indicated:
**3:08:23**
